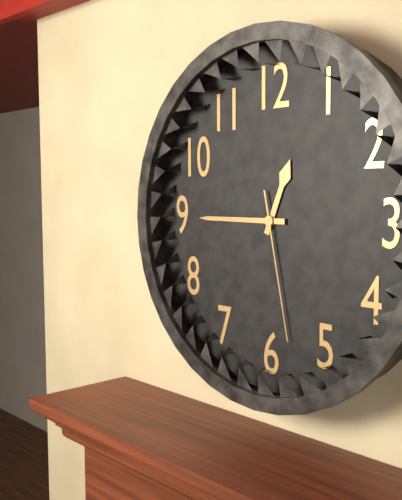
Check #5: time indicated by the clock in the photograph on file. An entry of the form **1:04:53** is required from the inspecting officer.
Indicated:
**12:45:28**
